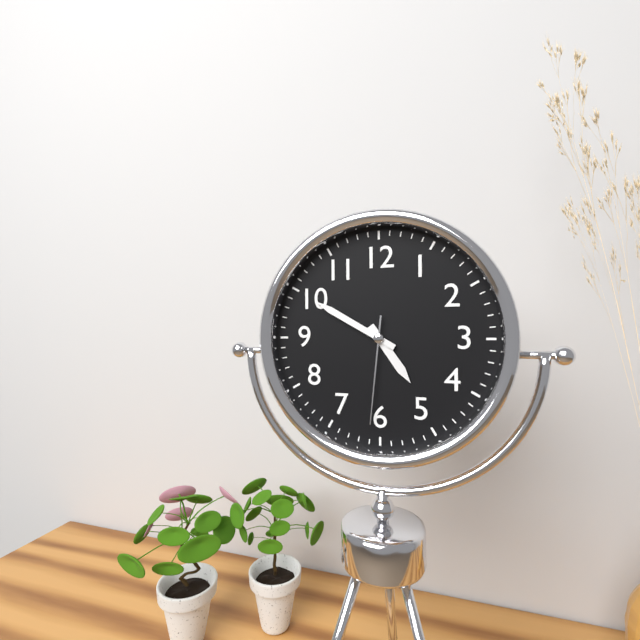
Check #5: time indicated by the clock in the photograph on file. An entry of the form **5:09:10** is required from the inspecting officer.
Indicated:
**4:50:31**
